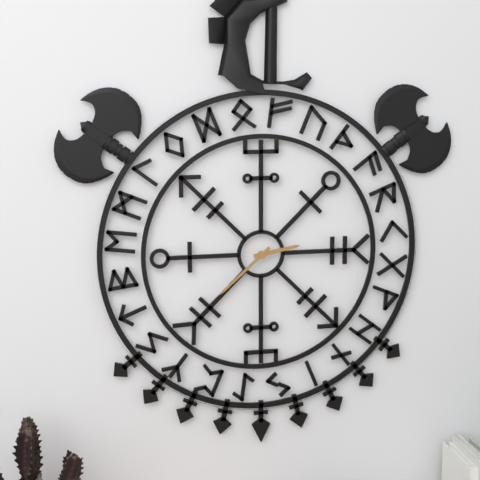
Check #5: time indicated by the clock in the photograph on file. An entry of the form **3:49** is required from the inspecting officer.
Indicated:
**2:38**
